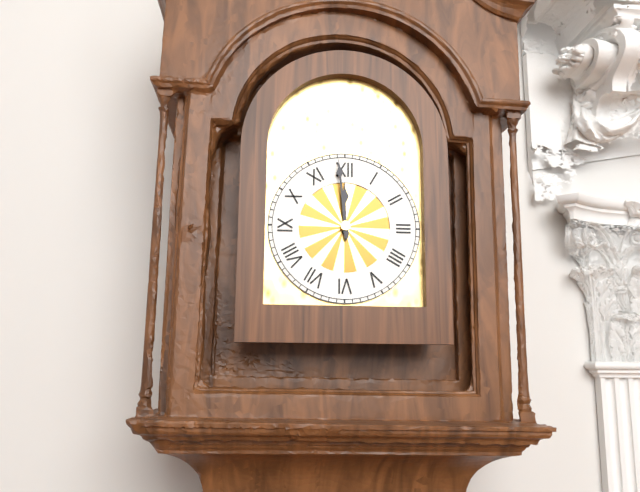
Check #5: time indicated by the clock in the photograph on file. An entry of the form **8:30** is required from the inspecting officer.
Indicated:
**11:59**
